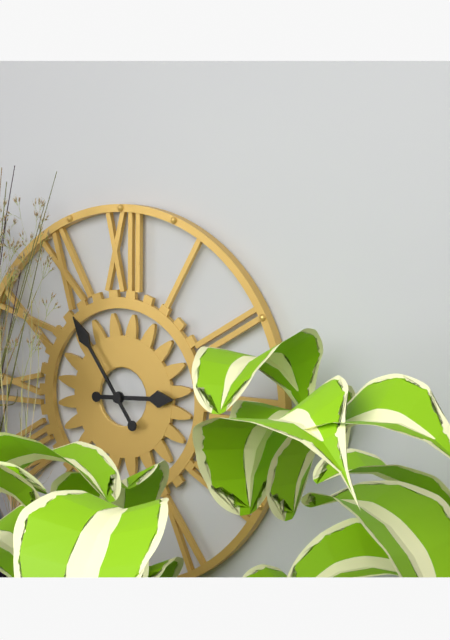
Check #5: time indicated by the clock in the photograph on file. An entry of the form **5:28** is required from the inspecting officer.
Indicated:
**2:54**
